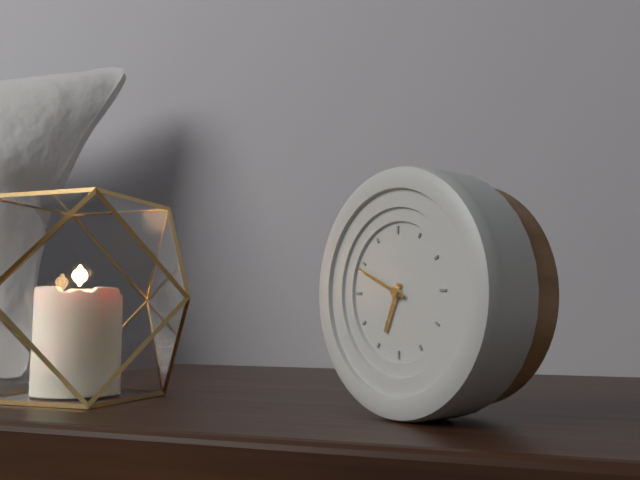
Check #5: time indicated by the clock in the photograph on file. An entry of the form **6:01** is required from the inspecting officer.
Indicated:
**6:49**
